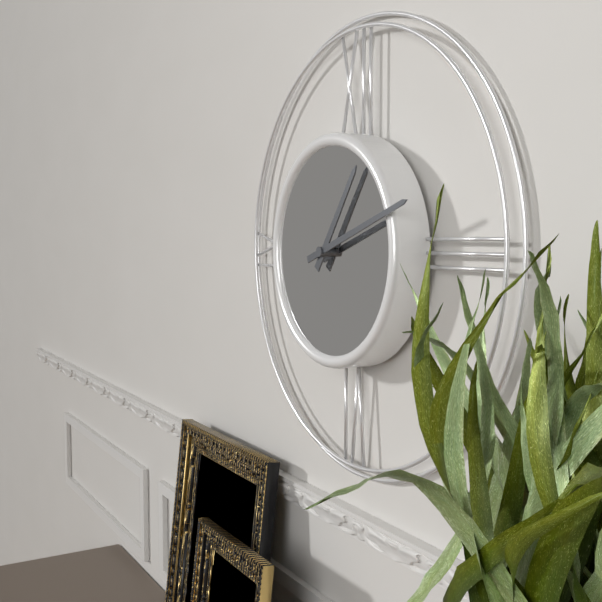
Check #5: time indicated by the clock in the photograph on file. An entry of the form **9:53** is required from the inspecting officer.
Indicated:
**1:12**
